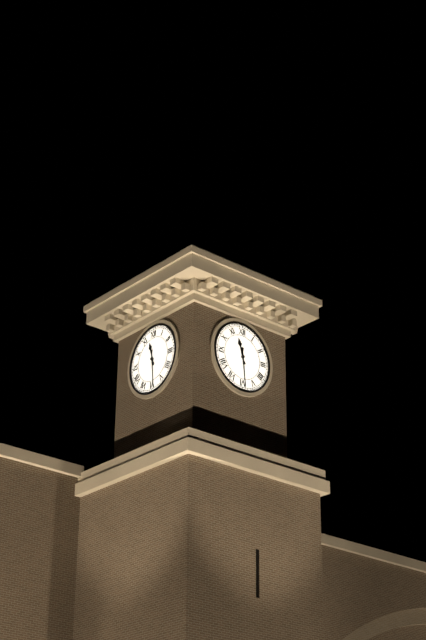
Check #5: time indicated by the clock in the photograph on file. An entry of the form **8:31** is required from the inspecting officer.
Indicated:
**11:29**
